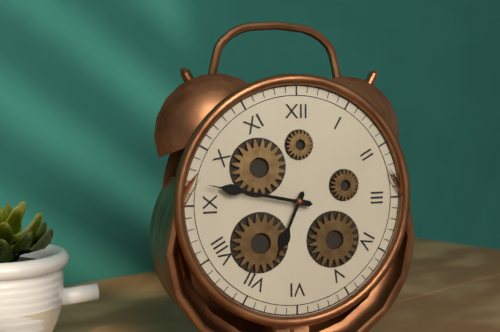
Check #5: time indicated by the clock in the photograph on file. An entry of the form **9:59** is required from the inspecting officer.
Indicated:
**6:47**
